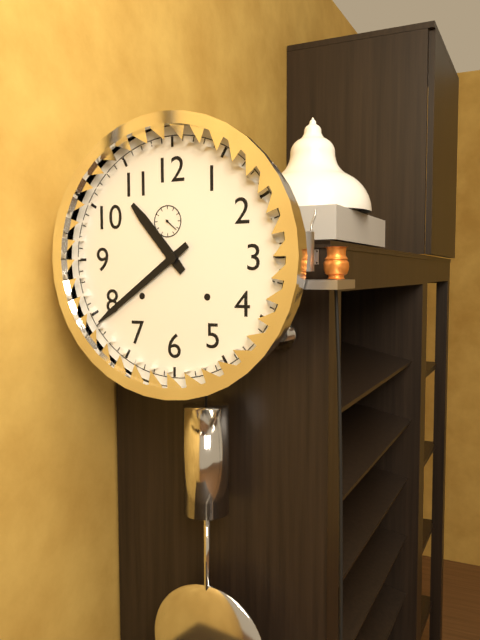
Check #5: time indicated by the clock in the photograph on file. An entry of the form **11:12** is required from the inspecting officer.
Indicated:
**10:39**
